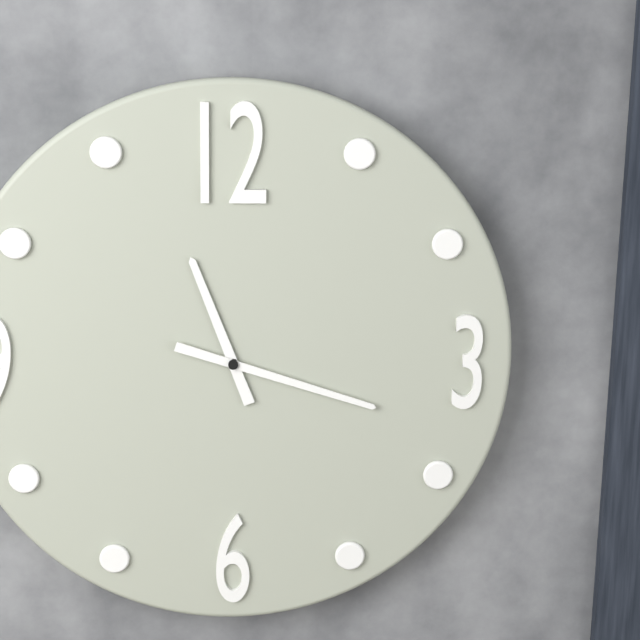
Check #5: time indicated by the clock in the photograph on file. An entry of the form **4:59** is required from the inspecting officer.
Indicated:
**11:18**
